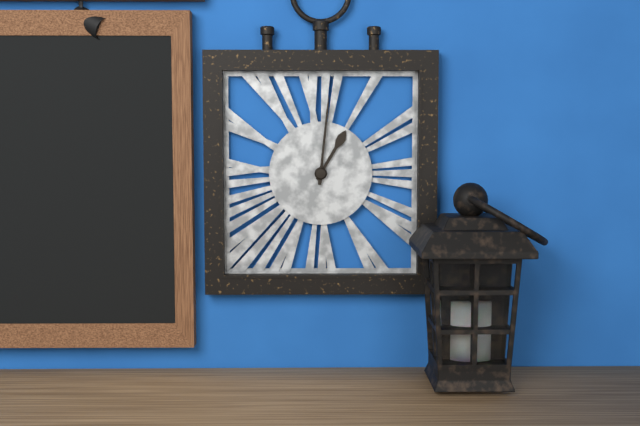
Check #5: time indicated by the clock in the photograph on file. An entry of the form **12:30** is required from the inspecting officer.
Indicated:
**1:01**
